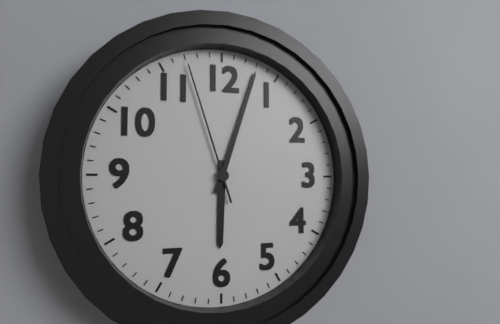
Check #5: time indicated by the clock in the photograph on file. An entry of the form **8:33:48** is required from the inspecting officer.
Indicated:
**6:03:57**
